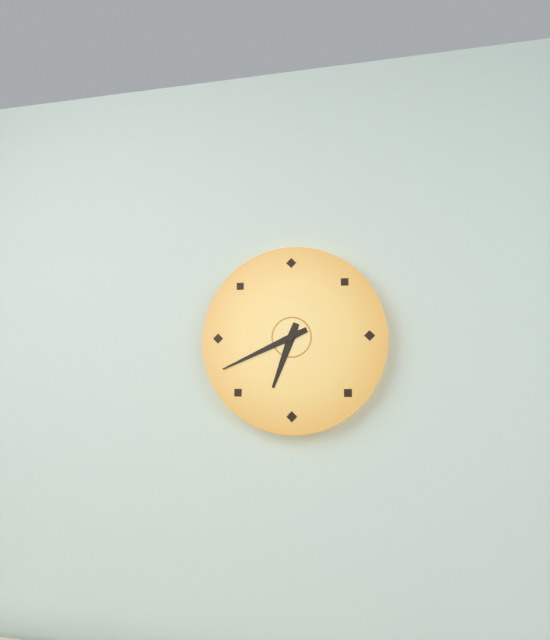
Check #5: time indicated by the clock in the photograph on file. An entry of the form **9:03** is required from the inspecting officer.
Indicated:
**6:41**
